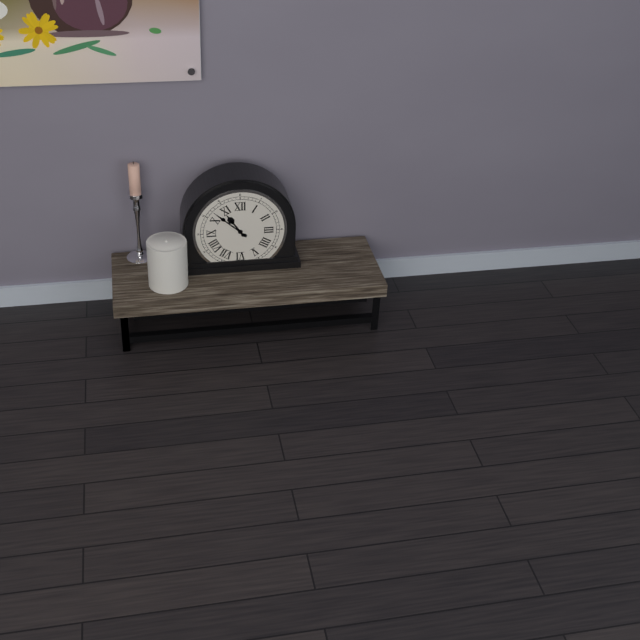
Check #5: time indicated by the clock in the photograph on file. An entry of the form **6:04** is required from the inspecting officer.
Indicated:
**10:52**
